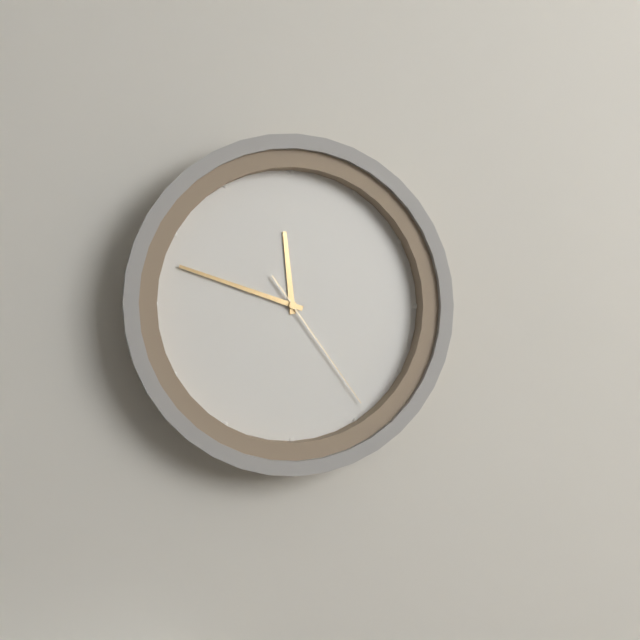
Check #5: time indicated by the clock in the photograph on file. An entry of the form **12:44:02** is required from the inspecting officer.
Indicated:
**11:48:24**
